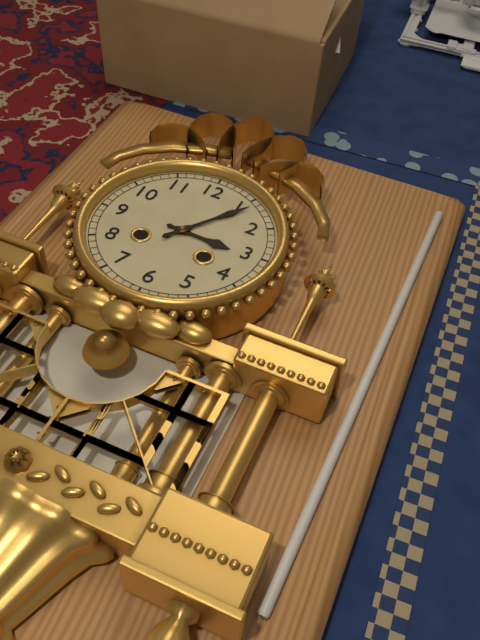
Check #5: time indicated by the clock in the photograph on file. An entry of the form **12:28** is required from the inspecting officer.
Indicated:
**3:06**
